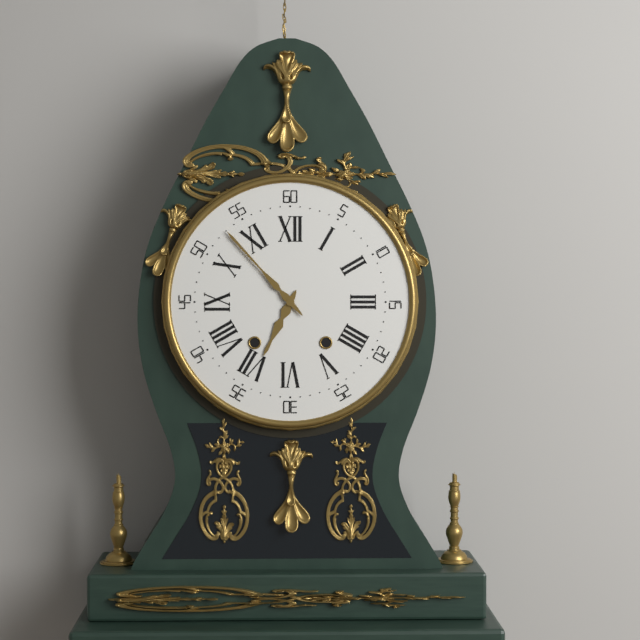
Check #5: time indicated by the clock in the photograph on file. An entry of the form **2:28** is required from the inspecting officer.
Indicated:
**6:53**
